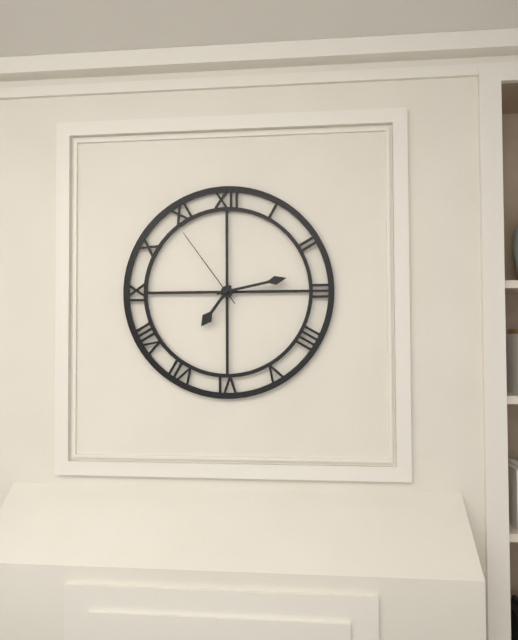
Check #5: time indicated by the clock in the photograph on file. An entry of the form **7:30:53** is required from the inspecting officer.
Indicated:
**7:13:54**
